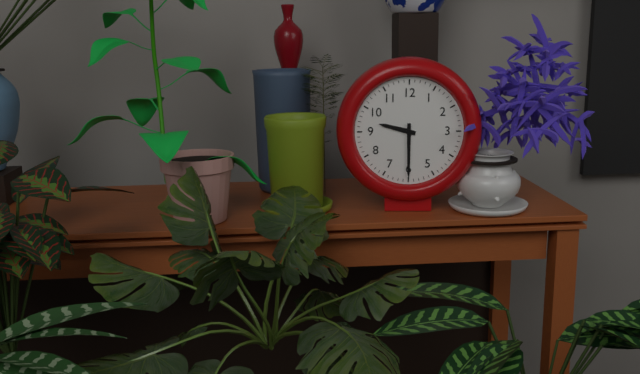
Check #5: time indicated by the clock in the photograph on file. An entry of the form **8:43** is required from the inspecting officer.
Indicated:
**9:30**
